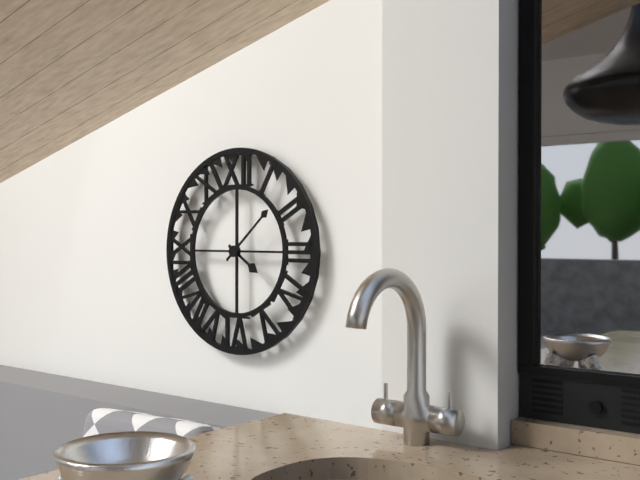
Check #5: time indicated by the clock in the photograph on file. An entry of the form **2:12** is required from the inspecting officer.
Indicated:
**4:08**
